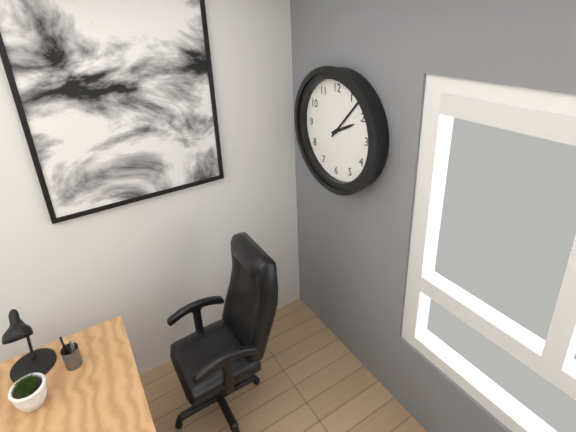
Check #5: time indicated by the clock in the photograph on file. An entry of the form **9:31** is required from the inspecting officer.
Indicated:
**2:07**
